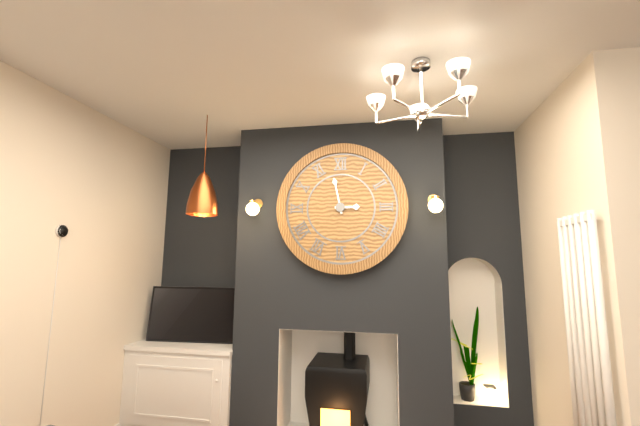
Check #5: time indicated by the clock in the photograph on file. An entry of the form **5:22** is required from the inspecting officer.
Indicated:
**2:58**
